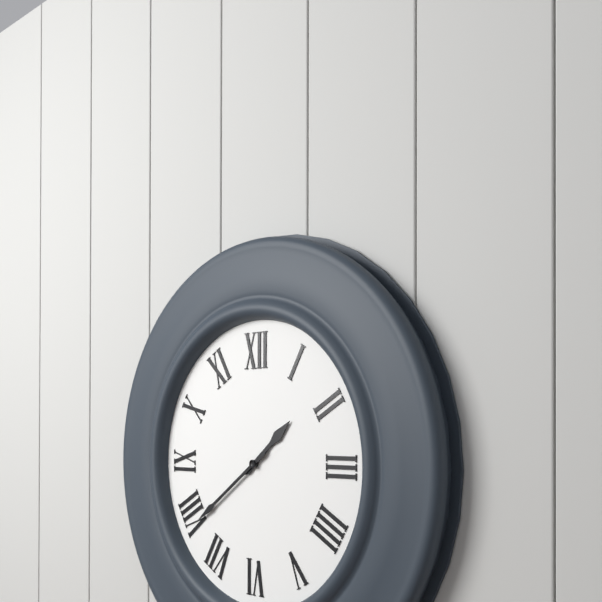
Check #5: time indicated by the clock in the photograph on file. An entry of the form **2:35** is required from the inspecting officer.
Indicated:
**1:39**
